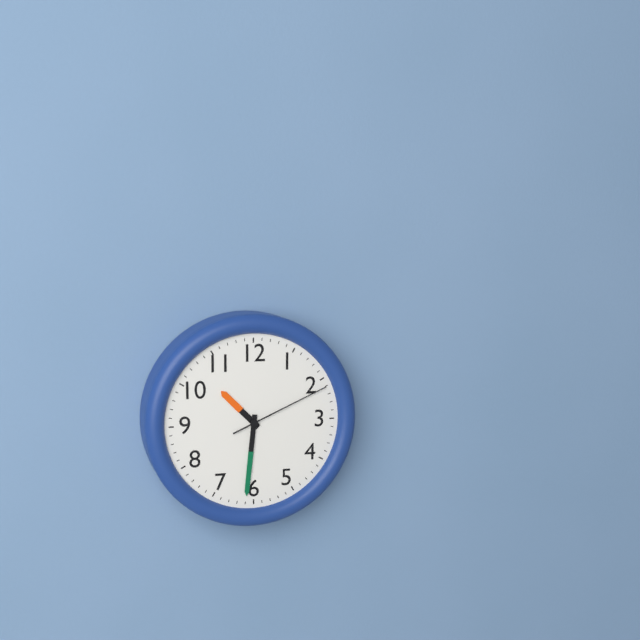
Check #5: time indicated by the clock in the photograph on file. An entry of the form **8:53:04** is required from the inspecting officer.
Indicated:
**10:31:11**
